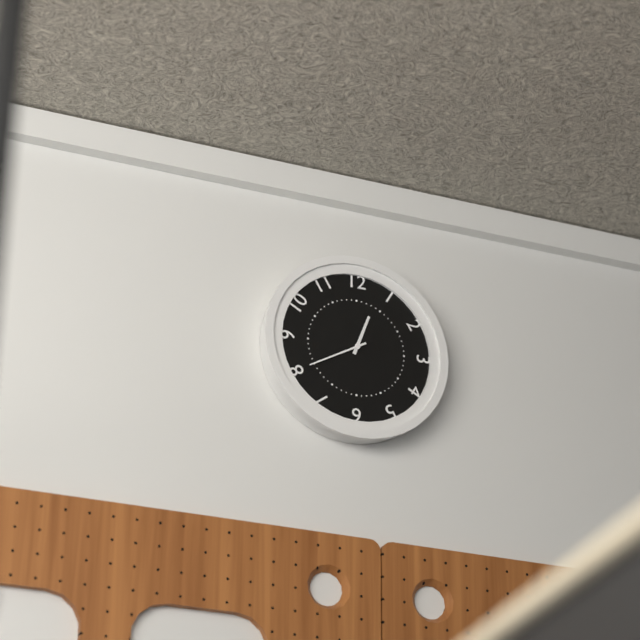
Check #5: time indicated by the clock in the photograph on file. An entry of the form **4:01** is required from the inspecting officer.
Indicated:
**12:40**
